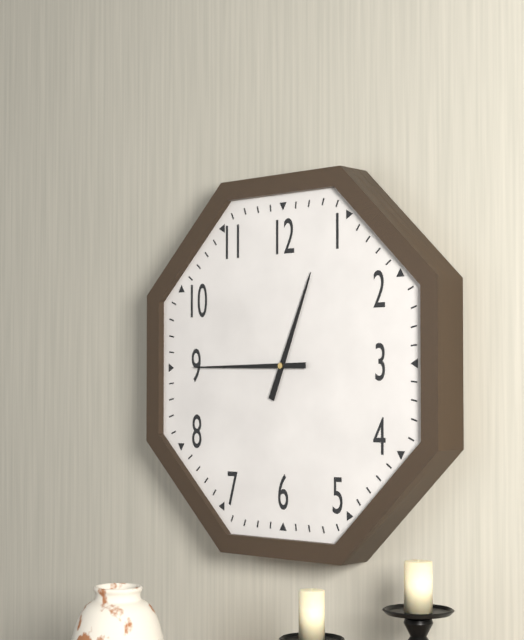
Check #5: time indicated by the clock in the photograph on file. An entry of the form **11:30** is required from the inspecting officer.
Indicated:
**12:45**
